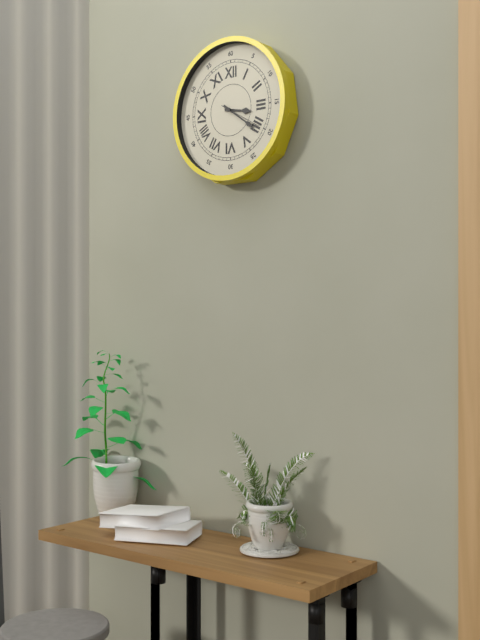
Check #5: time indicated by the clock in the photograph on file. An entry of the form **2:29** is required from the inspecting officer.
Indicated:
**3:21**
